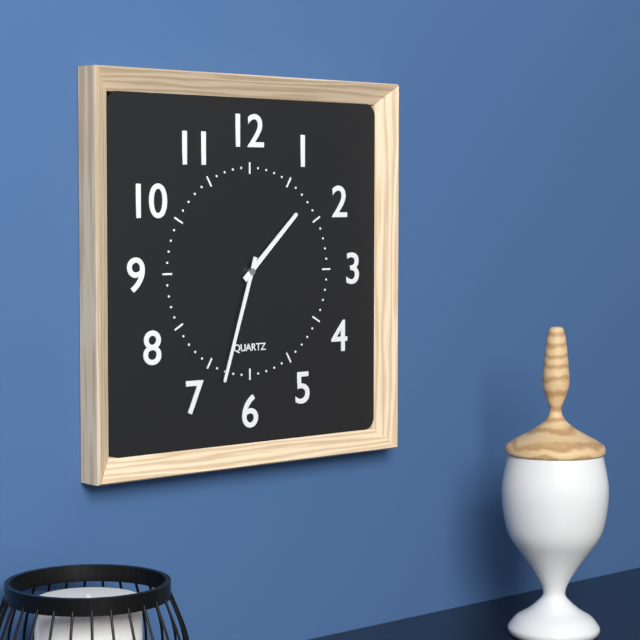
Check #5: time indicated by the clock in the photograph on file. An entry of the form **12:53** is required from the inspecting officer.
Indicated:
**1:33**
